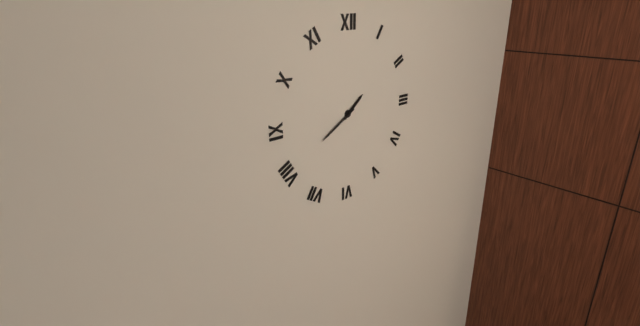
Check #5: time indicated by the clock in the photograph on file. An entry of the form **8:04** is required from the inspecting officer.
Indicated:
**1:40**
